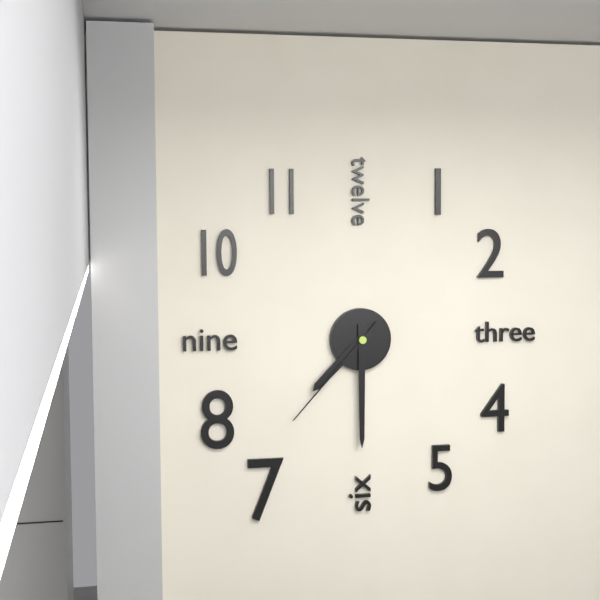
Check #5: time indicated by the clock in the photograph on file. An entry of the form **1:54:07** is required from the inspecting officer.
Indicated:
**7:30:37**
